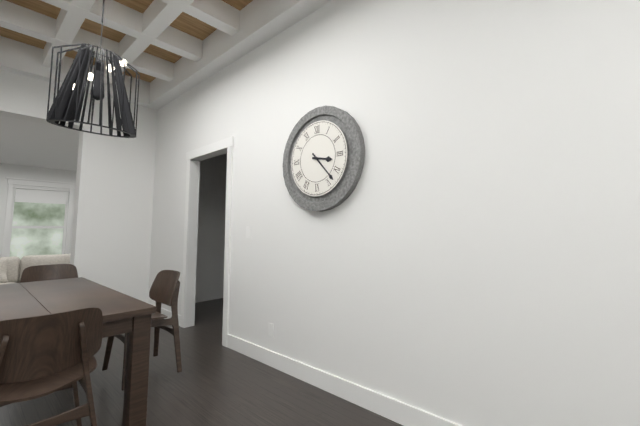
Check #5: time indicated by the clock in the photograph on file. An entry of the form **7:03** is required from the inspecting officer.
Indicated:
**3:23**
